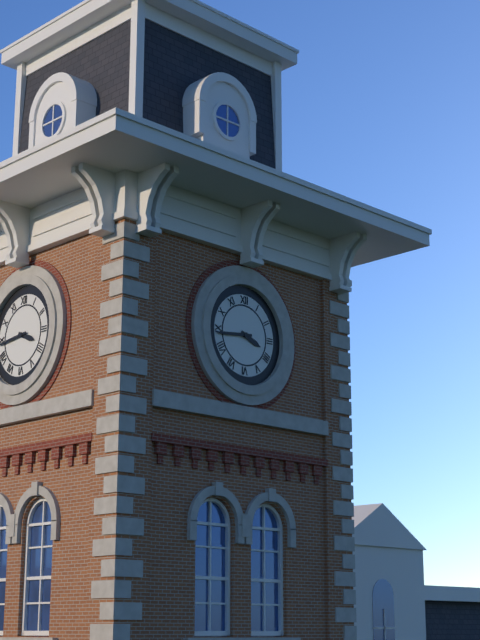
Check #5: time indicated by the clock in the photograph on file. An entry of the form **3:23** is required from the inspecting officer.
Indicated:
**3:44**
